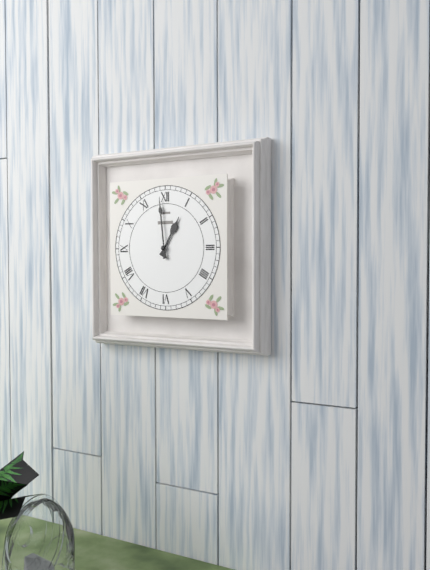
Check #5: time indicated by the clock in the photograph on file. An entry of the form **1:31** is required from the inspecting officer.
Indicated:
**12:59**
